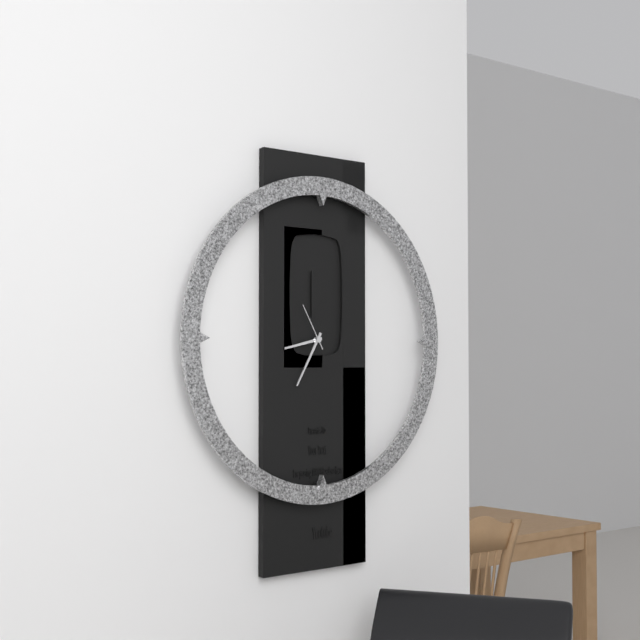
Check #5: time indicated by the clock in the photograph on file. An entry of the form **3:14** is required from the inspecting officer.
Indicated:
**8:35**
